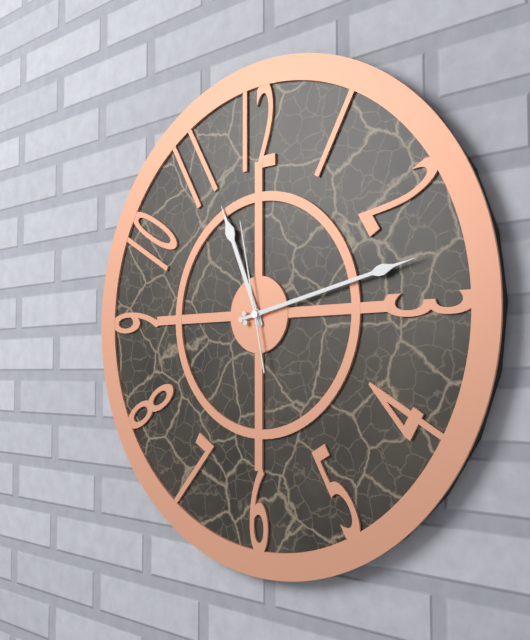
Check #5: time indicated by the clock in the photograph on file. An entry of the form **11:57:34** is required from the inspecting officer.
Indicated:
**11:13:58**
